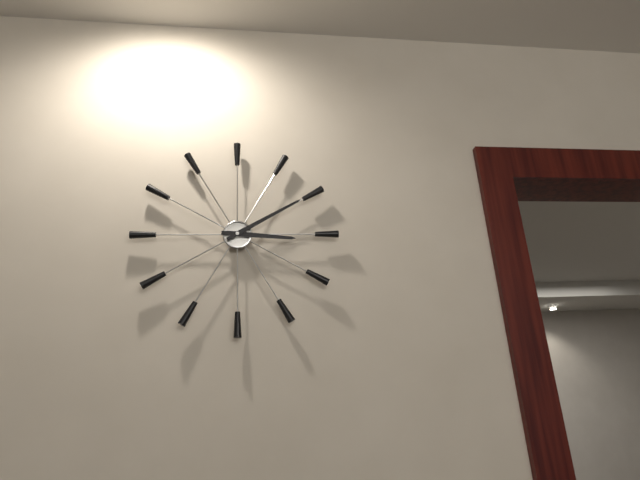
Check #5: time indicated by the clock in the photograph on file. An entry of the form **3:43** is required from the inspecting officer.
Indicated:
**3:10**
